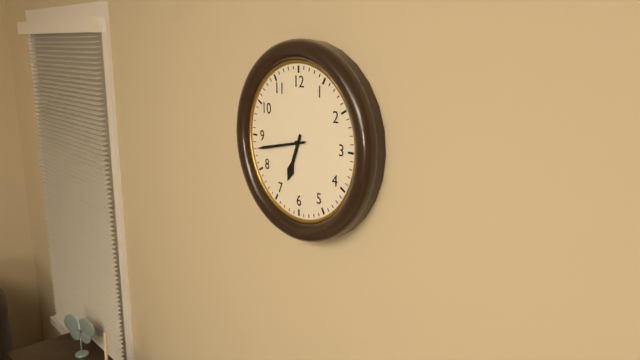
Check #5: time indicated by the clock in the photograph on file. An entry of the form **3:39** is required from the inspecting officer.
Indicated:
**6:43**
